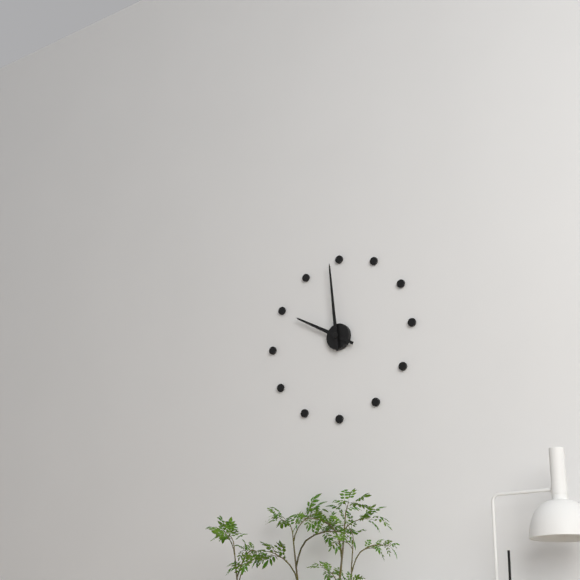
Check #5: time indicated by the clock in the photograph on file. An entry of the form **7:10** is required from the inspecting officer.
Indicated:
**9:59**
